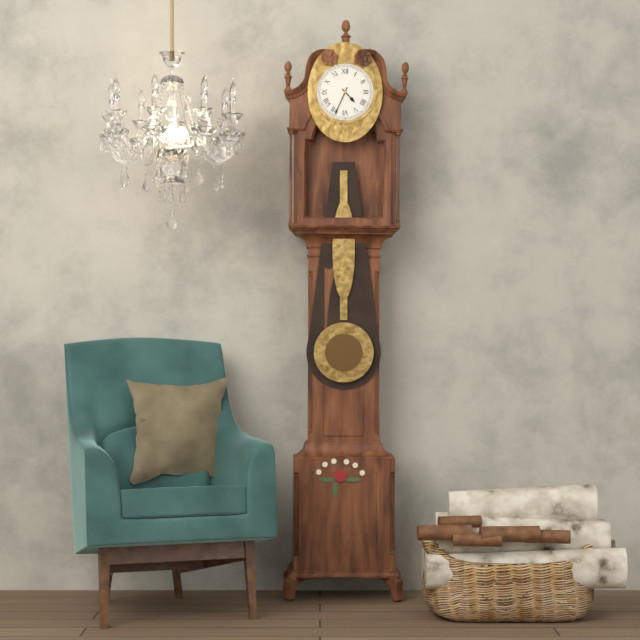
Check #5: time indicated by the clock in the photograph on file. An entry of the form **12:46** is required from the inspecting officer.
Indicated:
**4:34**
